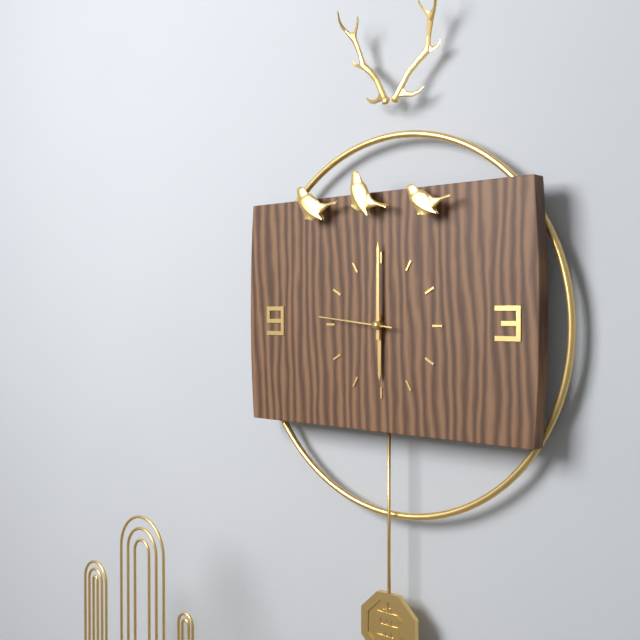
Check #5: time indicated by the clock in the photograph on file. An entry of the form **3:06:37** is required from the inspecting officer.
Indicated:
**6:00:46**
